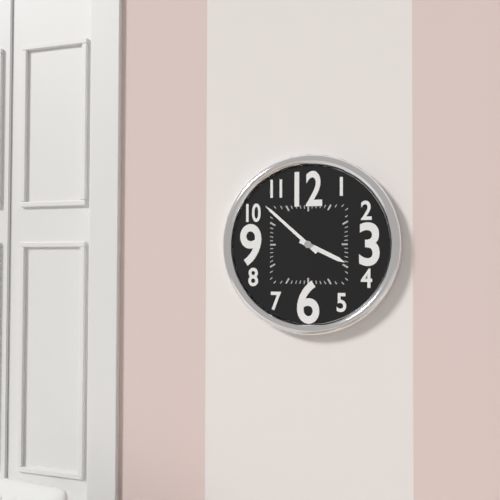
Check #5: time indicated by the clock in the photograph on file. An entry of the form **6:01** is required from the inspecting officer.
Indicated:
**3:52**
